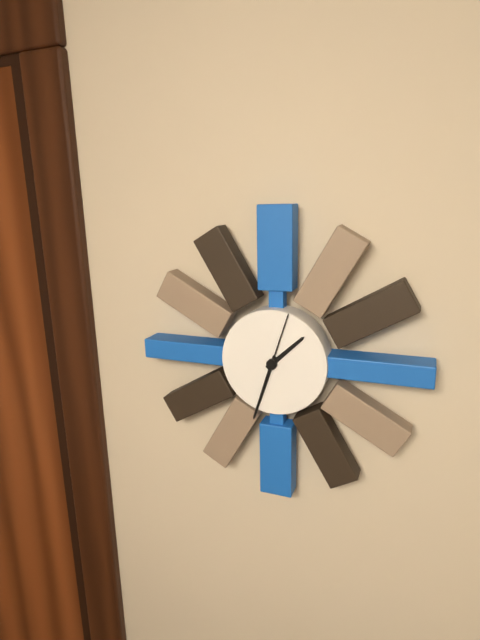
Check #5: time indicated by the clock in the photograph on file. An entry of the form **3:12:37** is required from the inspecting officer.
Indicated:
**1:33:03**
